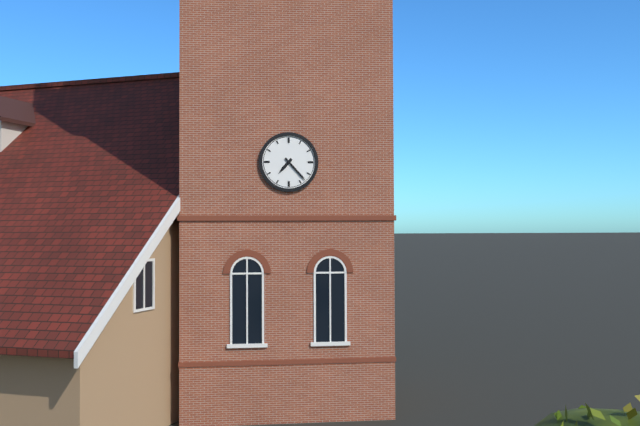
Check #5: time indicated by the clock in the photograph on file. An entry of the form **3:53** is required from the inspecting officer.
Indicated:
**7:23**
